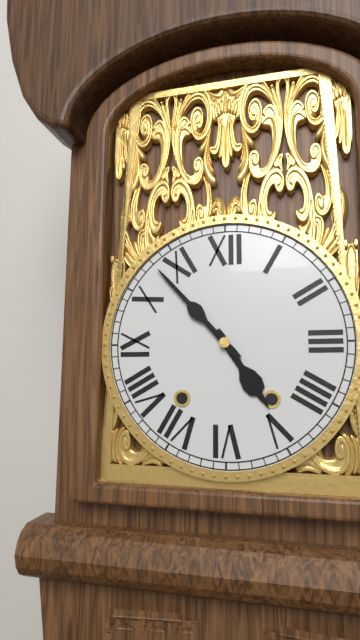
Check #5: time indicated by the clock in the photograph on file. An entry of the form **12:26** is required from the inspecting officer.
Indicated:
**4:53**
